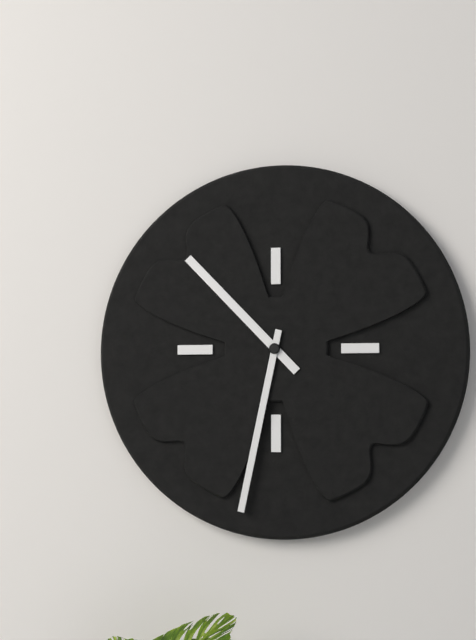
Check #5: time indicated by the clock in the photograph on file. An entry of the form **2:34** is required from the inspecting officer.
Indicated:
**10:32**
